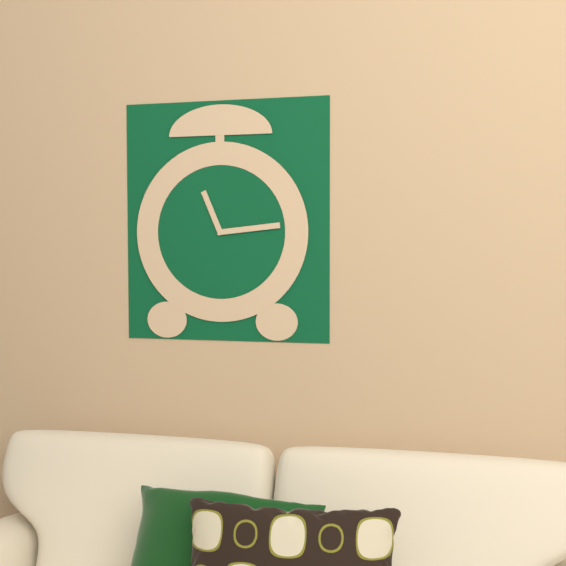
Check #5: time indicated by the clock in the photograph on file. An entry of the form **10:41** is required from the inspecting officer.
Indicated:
**11:14**
